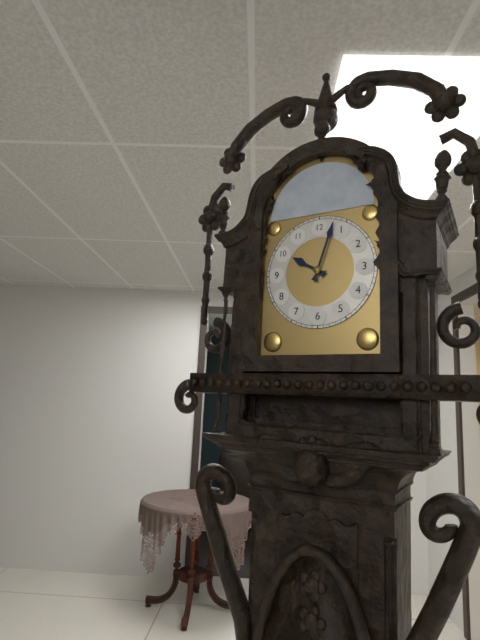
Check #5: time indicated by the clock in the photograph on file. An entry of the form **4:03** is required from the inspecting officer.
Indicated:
**10:03**
